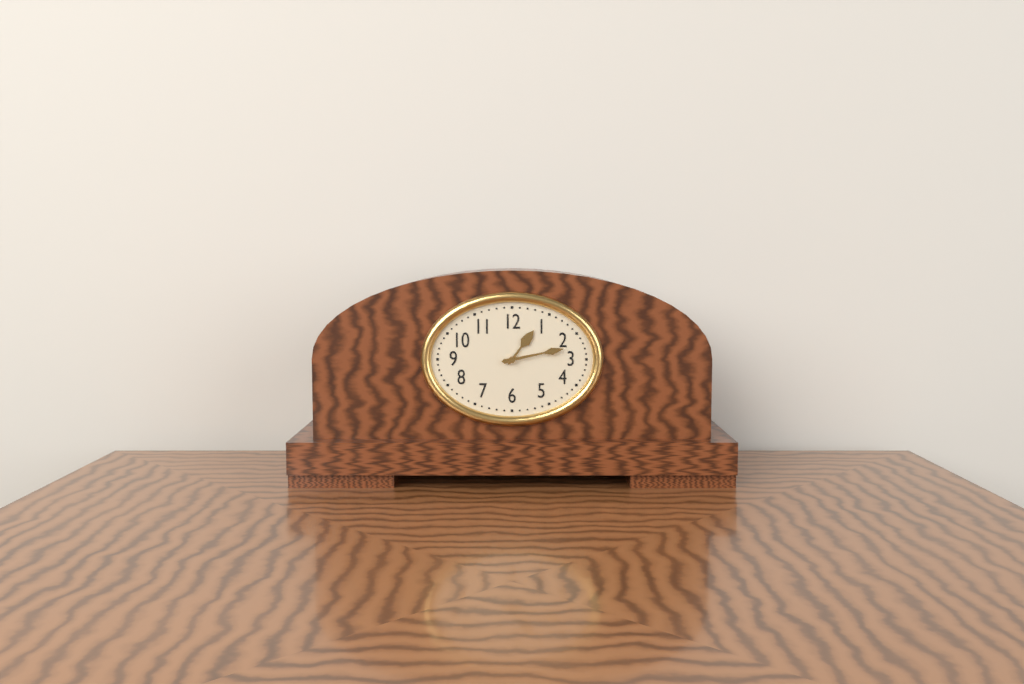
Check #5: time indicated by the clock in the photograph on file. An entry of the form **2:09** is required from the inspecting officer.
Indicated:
**1:13**
